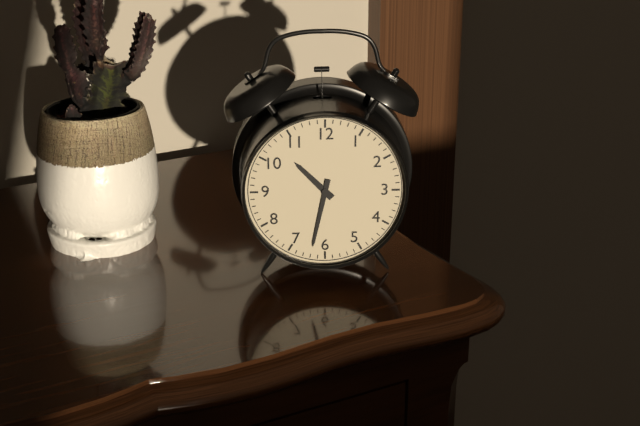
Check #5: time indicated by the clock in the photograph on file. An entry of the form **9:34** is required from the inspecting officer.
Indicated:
**10:32**
